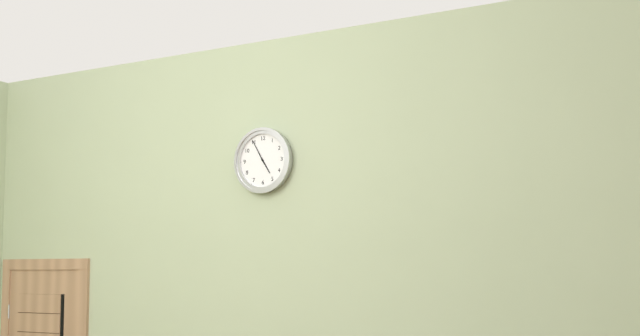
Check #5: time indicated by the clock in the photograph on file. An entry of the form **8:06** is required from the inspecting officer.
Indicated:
**4:55**
